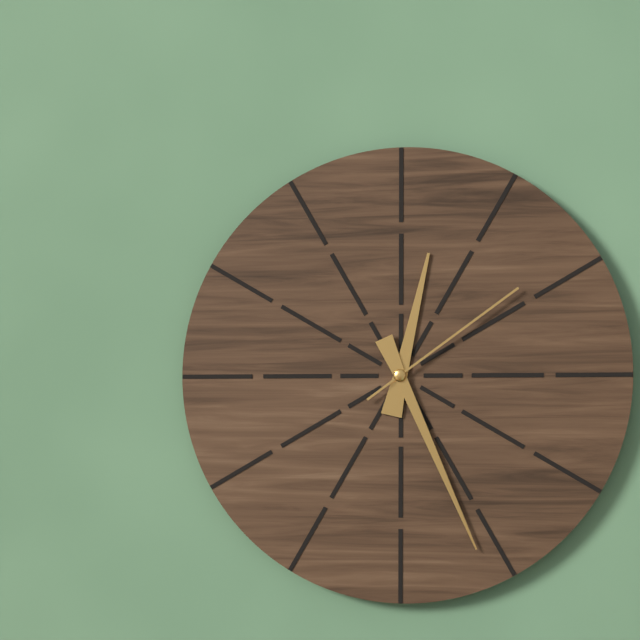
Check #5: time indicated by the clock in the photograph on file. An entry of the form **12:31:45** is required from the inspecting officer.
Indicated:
**12:26:09**
